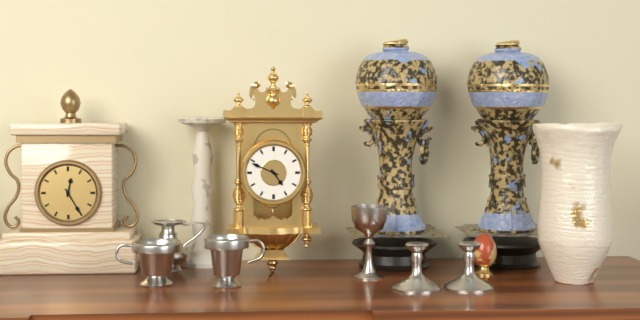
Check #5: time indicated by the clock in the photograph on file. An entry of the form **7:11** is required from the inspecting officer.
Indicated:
**4:49**
